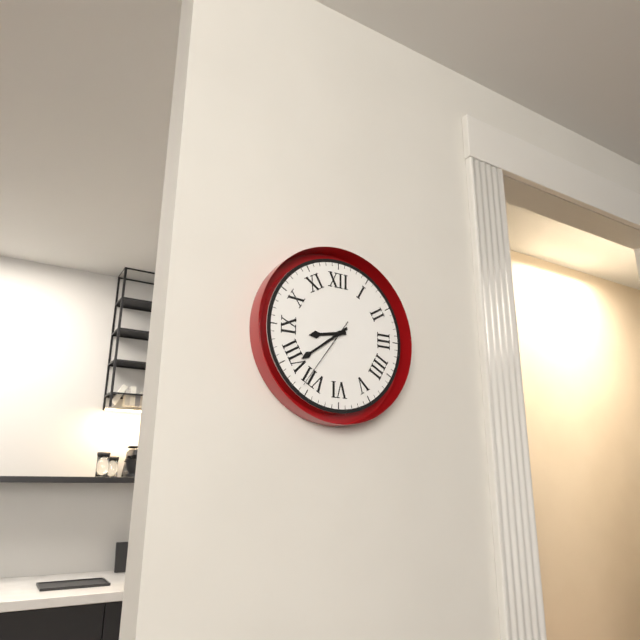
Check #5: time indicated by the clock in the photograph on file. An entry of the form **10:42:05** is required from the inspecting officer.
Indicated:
**8:39:36**
